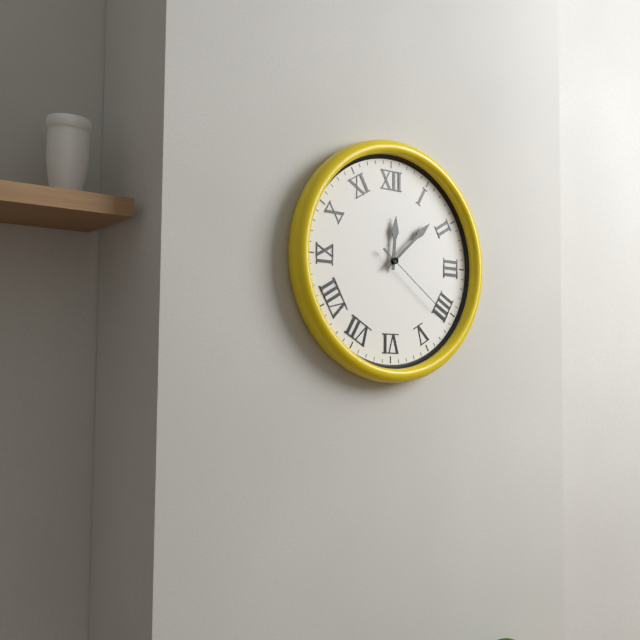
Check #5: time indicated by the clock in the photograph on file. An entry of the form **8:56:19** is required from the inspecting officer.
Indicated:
**12:08:21**
